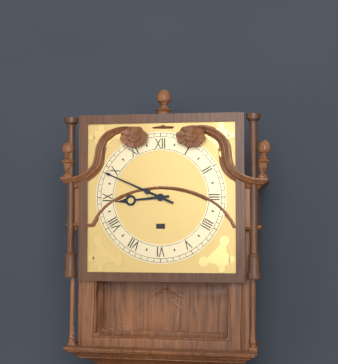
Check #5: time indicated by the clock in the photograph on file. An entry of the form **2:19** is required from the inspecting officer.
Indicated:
**8:49**
